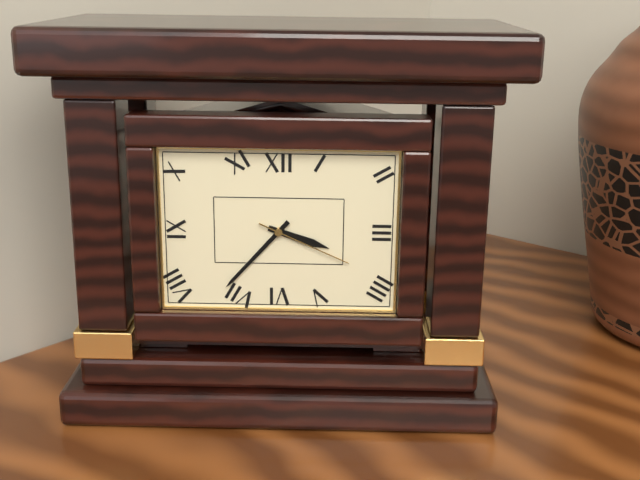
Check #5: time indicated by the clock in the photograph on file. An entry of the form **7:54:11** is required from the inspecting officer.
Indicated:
**3:37:19**
